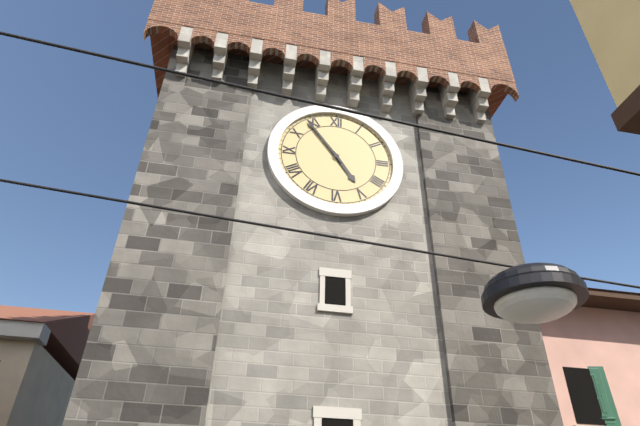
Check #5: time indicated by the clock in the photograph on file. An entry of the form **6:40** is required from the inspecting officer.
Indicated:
**4:54**
